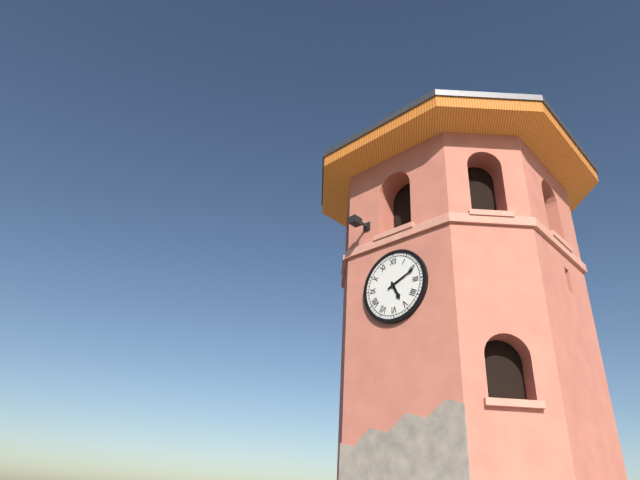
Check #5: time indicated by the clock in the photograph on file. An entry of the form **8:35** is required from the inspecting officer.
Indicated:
**5:11**
